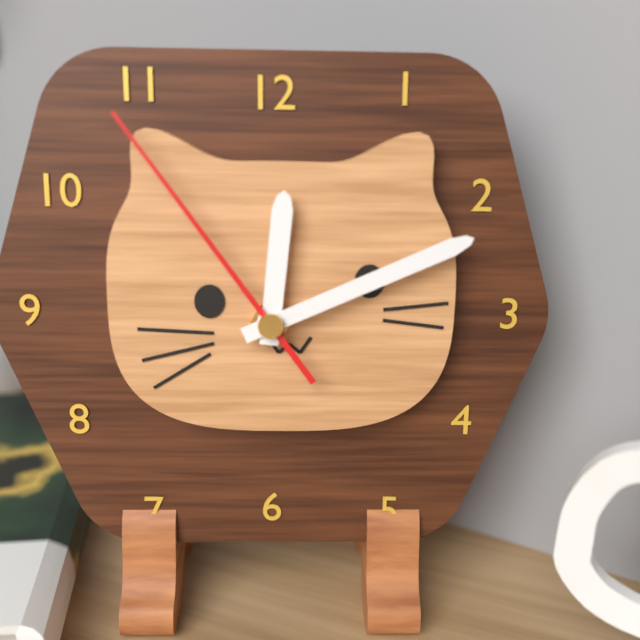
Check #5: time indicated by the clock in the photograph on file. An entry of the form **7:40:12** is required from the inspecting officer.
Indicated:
**12:11:54**
